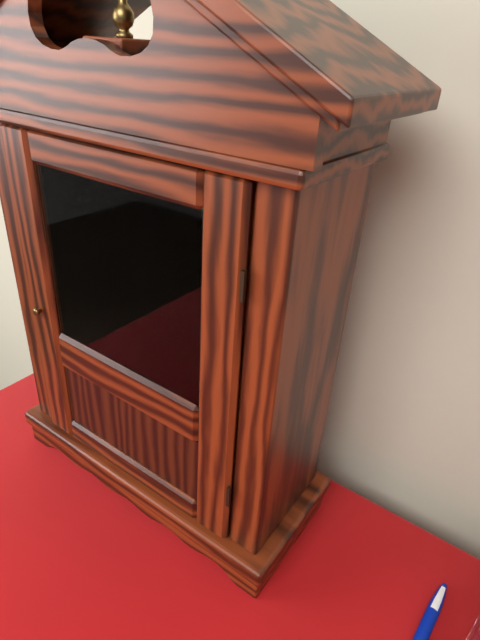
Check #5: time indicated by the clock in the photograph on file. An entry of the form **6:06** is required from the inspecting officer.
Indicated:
**5:56**
